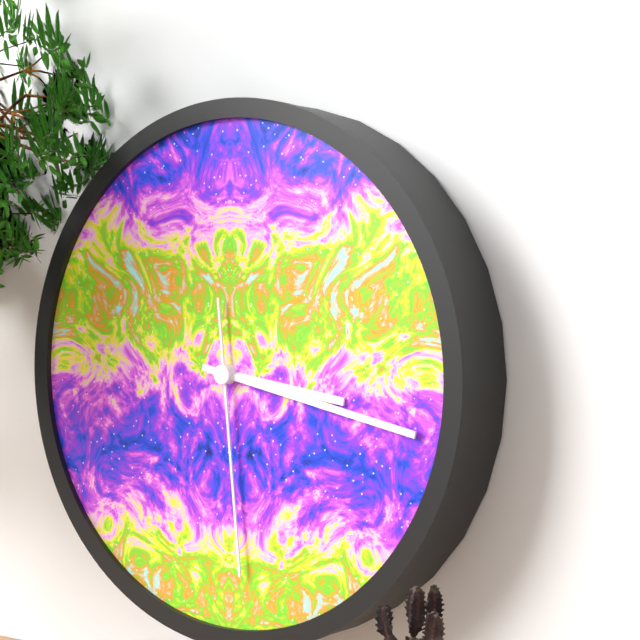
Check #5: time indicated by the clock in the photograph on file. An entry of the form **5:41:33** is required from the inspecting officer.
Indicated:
**3:17:29**
